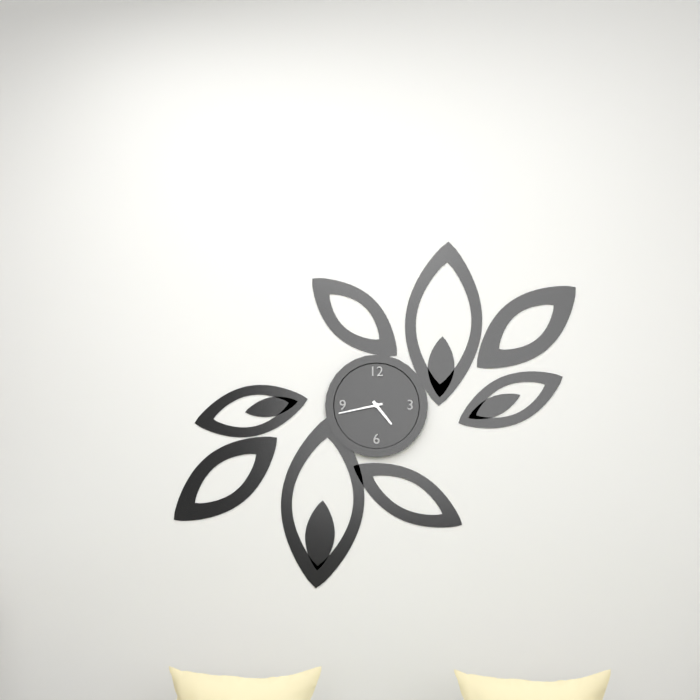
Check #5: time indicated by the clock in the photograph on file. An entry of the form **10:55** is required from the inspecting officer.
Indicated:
**4:43**
